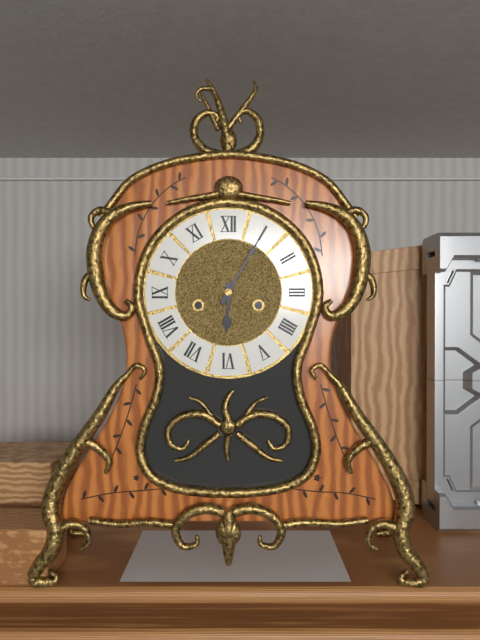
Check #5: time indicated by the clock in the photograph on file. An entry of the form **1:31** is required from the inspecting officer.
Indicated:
**6:05**
